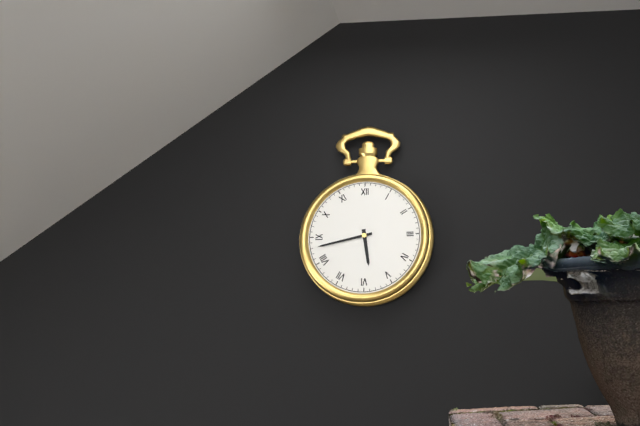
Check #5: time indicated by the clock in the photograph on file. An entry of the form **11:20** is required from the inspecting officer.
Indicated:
**5:43**
